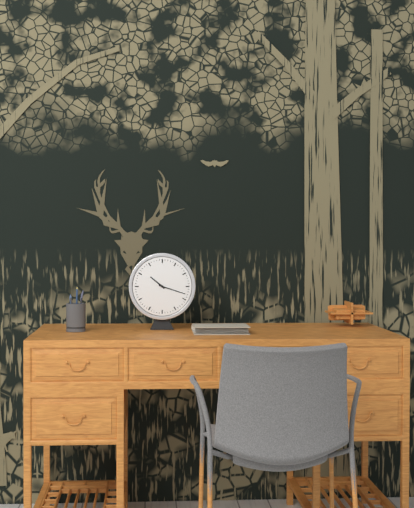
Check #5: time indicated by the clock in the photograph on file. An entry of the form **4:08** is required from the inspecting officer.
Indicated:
**10:18**
